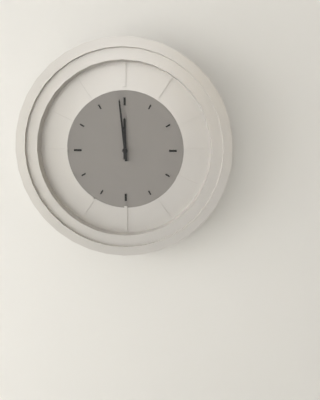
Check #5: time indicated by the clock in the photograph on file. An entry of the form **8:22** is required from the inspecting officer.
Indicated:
**11:59**
